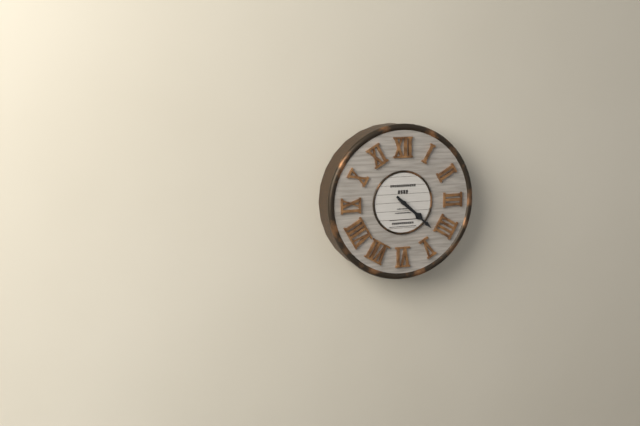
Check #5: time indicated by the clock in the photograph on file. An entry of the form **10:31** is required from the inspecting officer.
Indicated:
**4:22**
